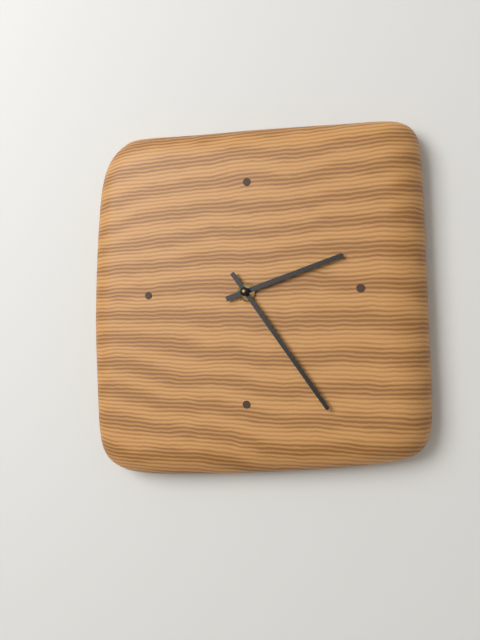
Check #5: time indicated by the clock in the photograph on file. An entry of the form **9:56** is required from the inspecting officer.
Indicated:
**2:24**
